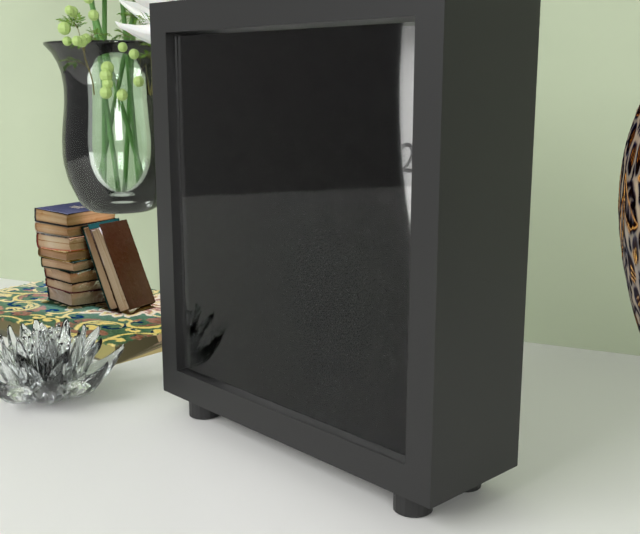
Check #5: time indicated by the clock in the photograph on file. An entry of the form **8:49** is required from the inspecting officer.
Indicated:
**4:21**
